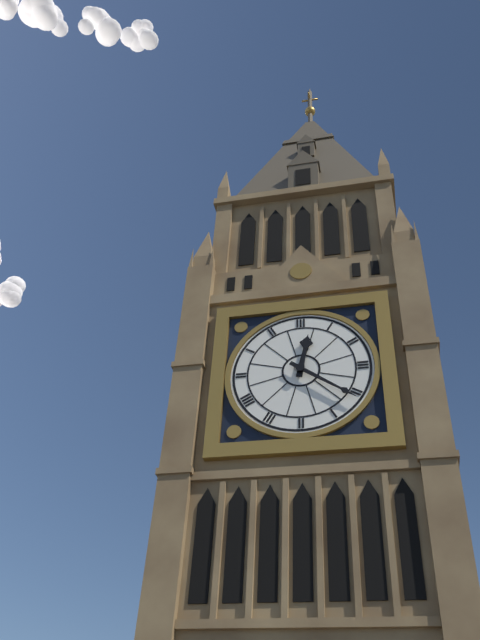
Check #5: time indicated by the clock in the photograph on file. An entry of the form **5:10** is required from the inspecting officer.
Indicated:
**12:21**
